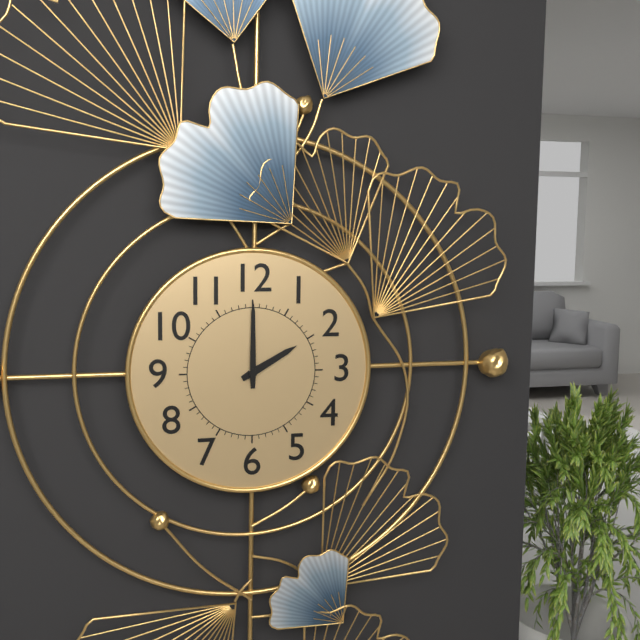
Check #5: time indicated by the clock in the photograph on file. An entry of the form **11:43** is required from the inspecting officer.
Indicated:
**2:00**
